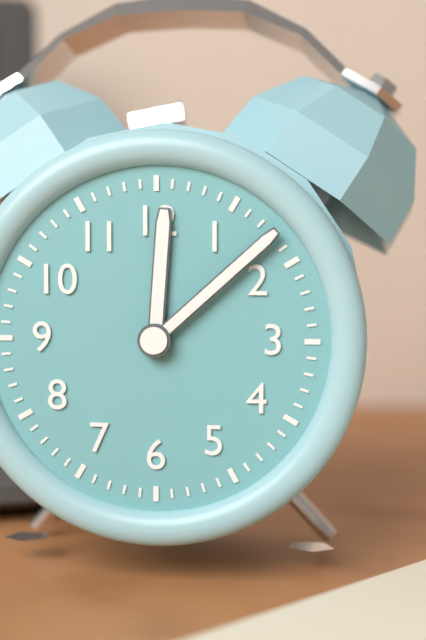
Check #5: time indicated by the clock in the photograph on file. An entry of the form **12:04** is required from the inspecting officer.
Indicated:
**12:08**
